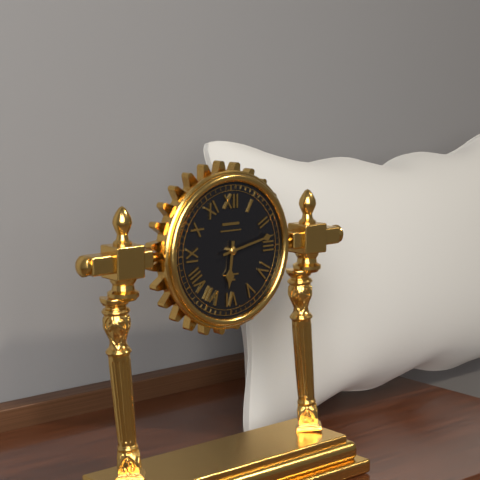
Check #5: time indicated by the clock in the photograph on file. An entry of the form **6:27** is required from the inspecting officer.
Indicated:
**6:13**
